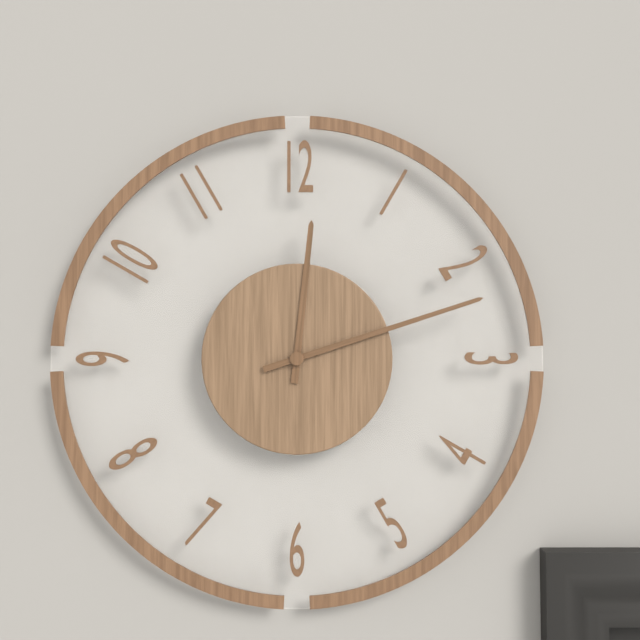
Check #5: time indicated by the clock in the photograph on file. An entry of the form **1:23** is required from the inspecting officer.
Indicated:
**12:12**
